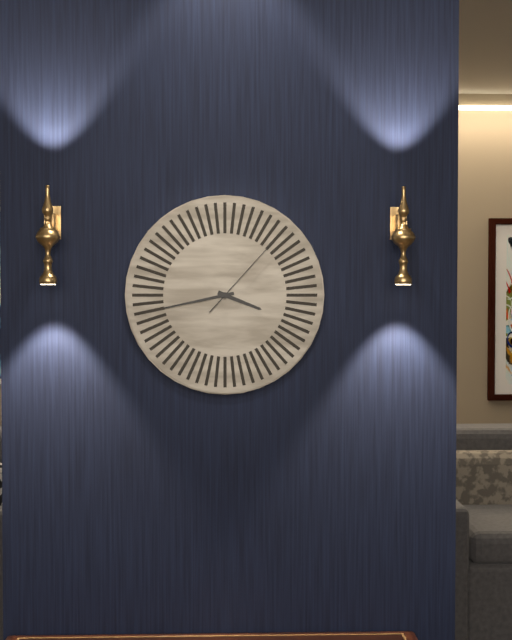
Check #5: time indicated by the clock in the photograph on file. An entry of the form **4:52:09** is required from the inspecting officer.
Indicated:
**3:43:07**
